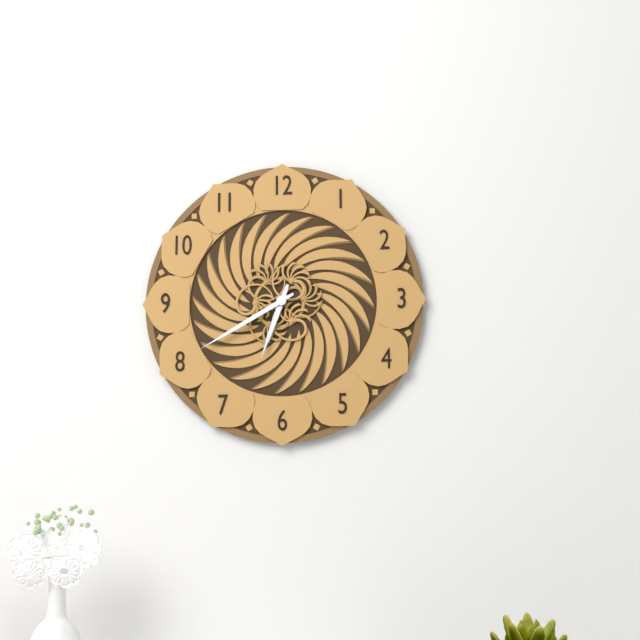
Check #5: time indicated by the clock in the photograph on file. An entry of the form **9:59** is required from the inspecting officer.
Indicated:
**6:40**
